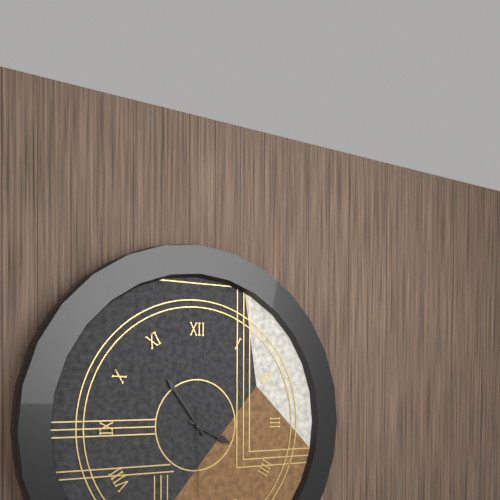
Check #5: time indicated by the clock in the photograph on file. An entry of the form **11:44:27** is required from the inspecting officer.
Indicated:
**3:54:30**
